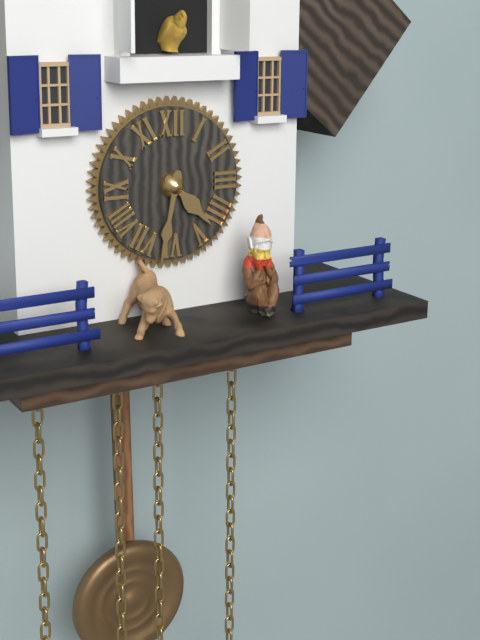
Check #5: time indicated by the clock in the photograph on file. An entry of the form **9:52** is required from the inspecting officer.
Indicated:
**4:32**
